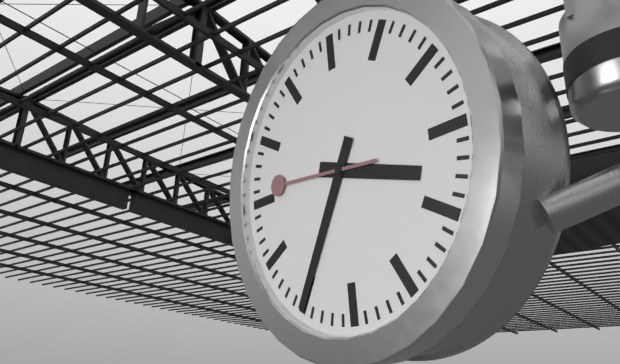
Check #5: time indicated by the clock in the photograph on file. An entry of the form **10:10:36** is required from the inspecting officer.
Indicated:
**3:35:46**
